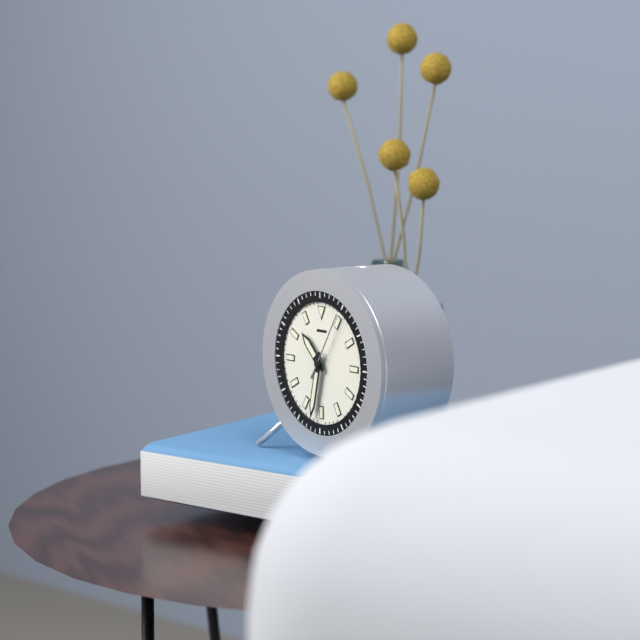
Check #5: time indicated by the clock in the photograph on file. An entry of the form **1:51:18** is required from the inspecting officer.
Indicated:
**10:32:05**
